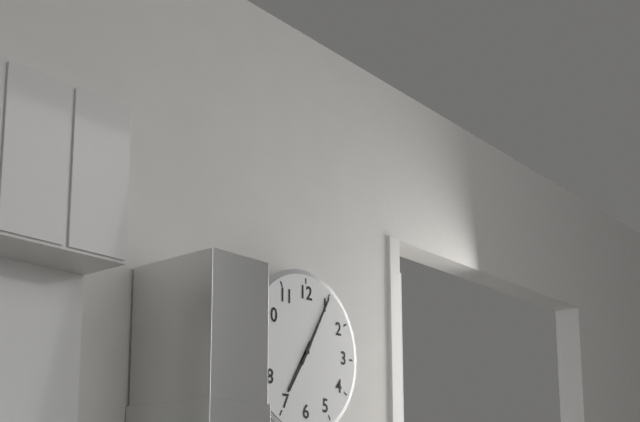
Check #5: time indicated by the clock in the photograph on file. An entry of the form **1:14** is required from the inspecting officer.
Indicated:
**7:05**
